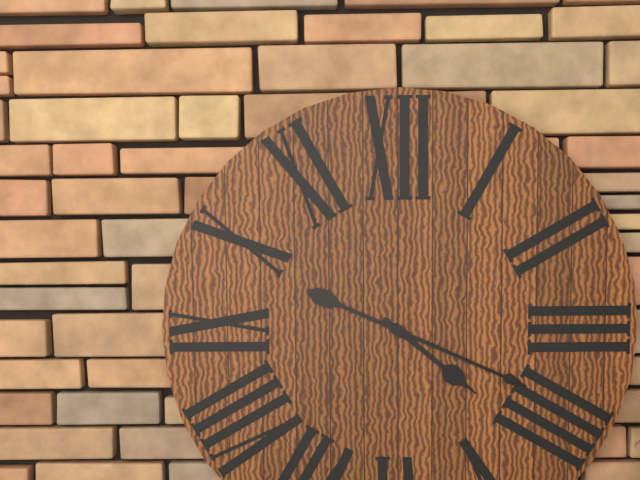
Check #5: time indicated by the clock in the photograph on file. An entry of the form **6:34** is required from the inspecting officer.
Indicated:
**4:19**
